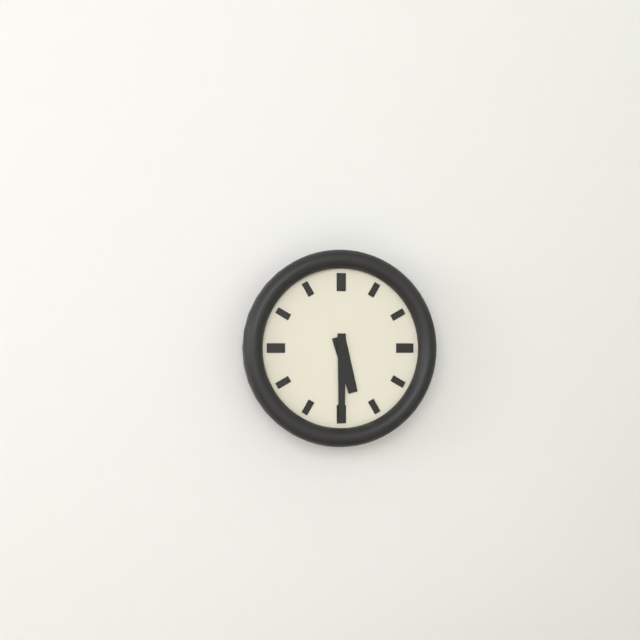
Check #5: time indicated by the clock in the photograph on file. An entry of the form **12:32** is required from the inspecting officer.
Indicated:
**5:30**
